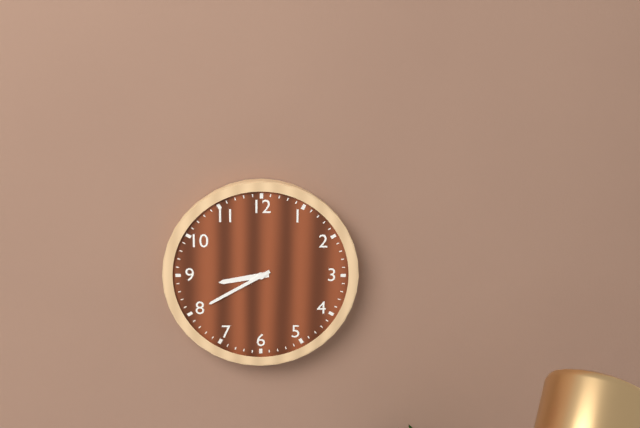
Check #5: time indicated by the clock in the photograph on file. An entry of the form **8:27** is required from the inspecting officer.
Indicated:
**8:40**
